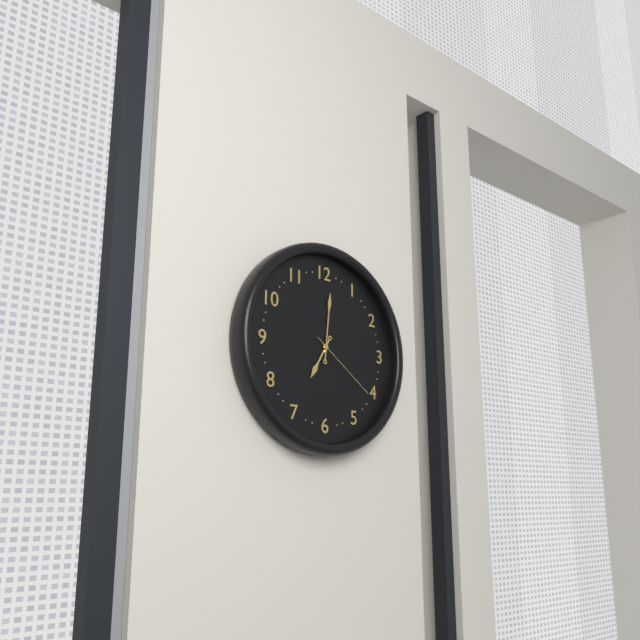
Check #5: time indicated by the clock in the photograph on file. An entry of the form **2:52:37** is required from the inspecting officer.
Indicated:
**7:01:21**
